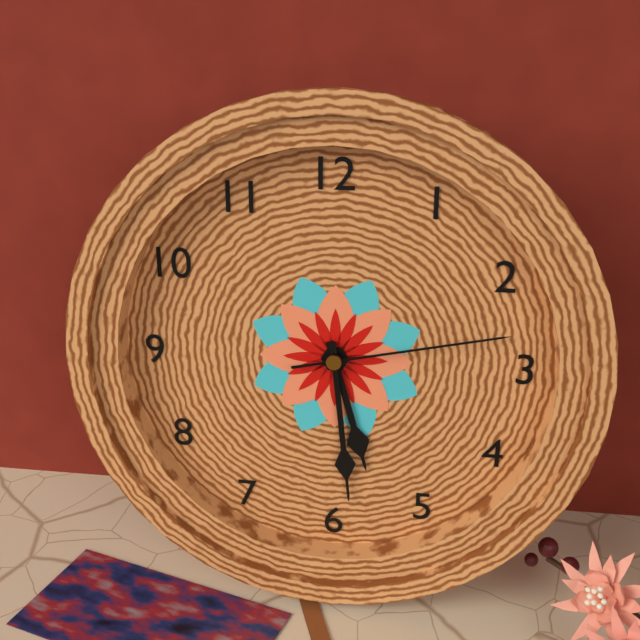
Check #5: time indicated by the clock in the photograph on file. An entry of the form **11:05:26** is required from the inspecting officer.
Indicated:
**5:29:13**
